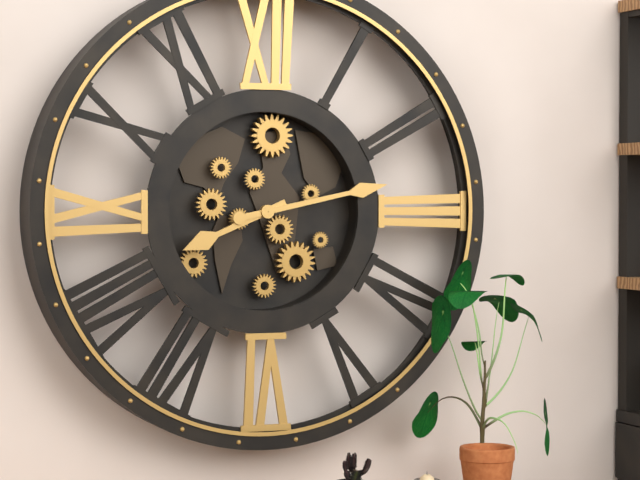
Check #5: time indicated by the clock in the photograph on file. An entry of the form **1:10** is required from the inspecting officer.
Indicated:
**8:13**
